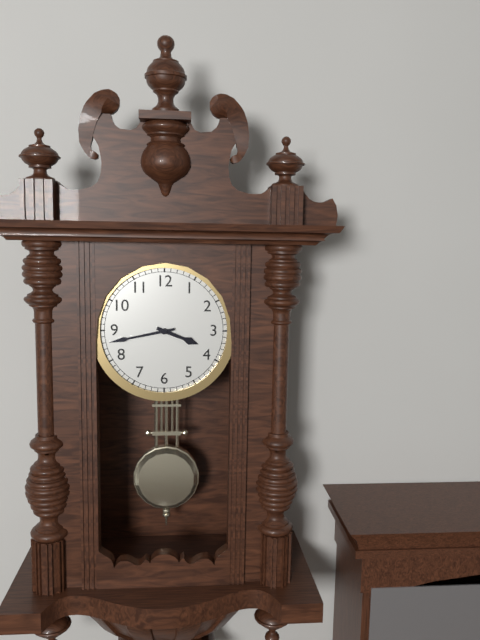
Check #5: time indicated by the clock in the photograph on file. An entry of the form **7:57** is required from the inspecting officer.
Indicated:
**3:43**
